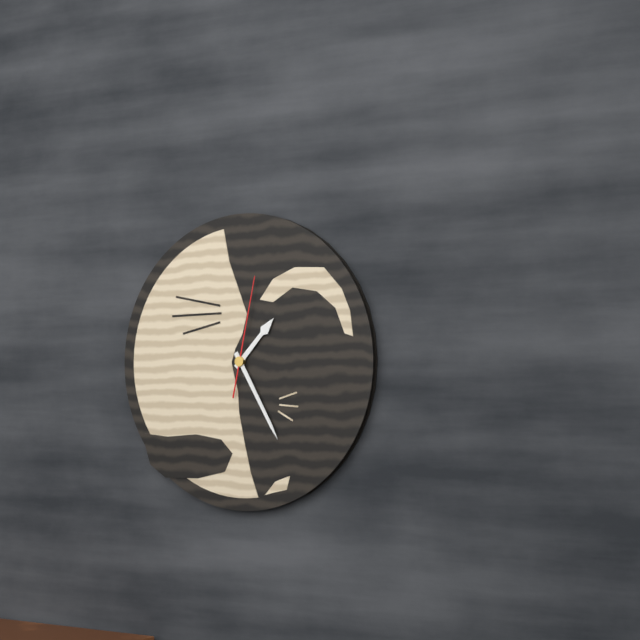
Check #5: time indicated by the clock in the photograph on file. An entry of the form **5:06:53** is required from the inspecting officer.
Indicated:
**1:25:02**
